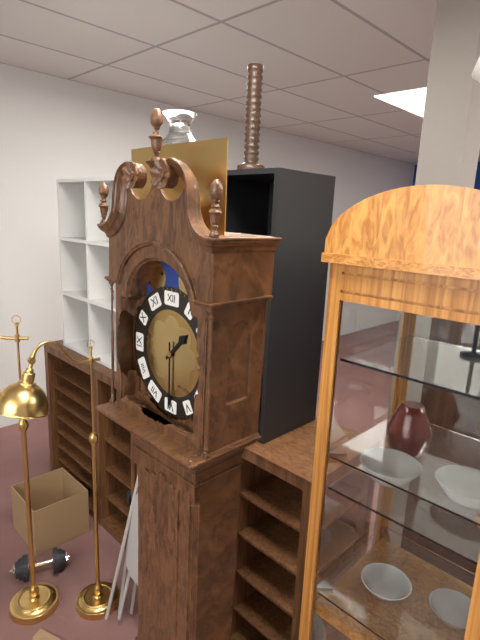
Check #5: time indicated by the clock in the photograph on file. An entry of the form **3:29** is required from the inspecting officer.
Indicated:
**1:30**
